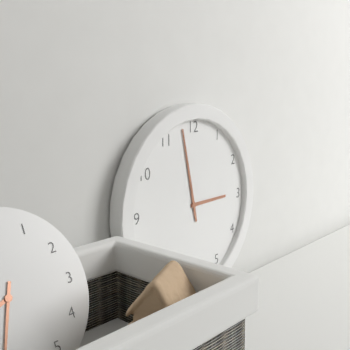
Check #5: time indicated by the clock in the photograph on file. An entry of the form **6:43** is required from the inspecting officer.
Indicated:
**2:58**
